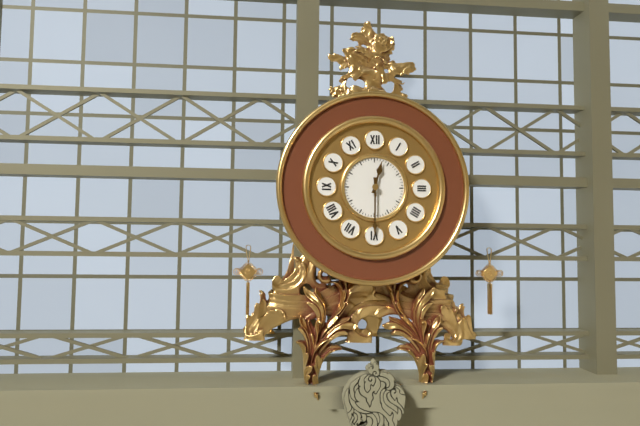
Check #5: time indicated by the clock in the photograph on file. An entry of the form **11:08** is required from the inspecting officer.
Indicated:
**12:30**
